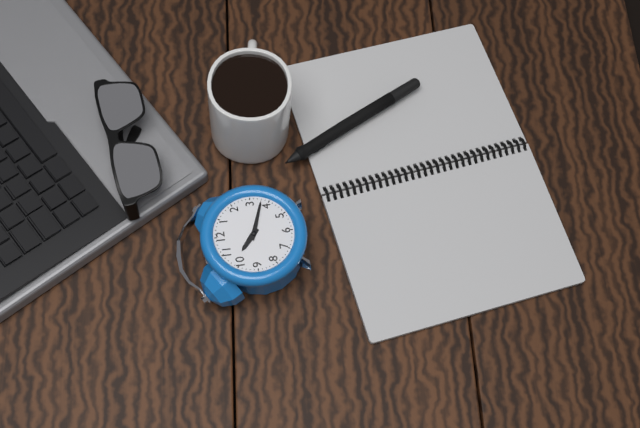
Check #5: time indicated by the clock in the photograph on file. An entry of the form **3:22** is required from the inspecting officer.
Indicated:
**10:18**
